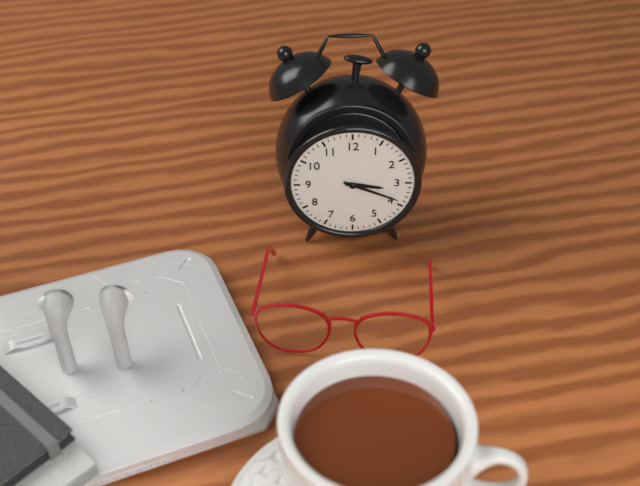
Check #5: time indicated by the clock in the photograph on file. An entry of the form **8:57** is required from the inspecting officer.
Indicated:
**3:19**
